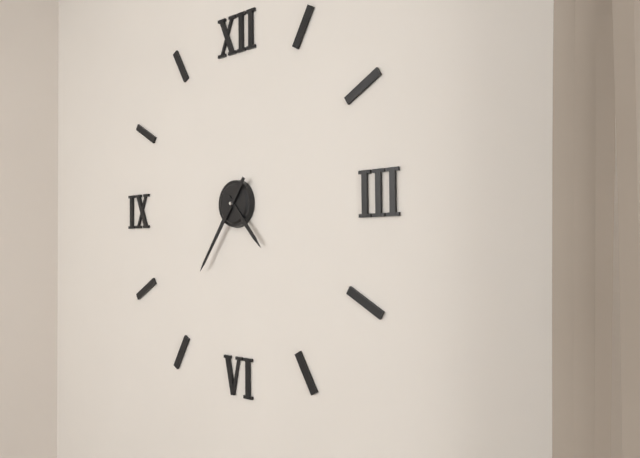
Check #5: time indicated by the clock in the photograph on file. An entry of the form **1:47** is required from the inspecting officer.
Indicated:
**4:36**
